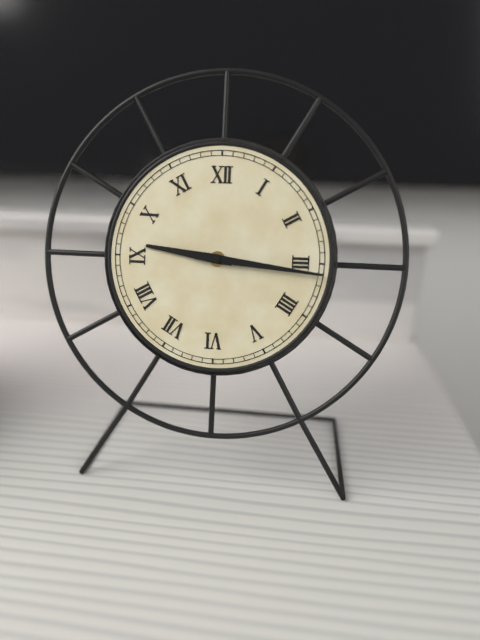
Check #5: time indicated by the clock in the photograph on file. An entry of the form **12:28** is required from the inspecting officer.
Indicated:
**9:16**
